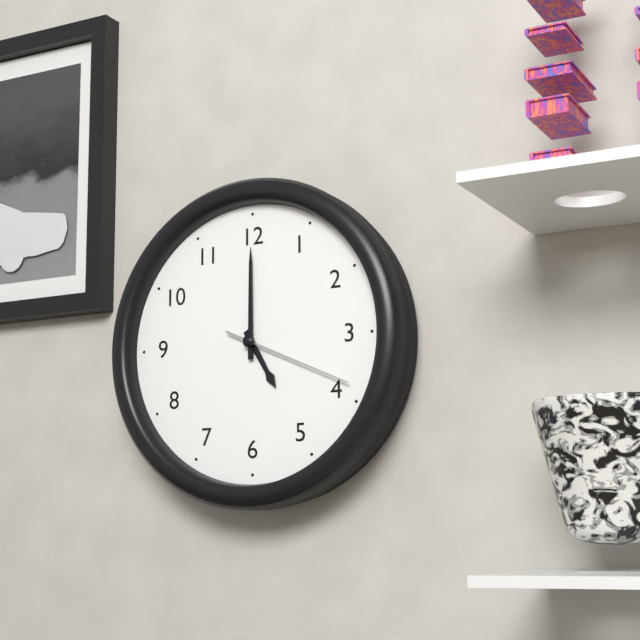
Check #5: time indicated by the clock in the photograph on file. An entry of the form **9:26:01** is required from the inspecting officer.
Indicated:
**5:00:19**
